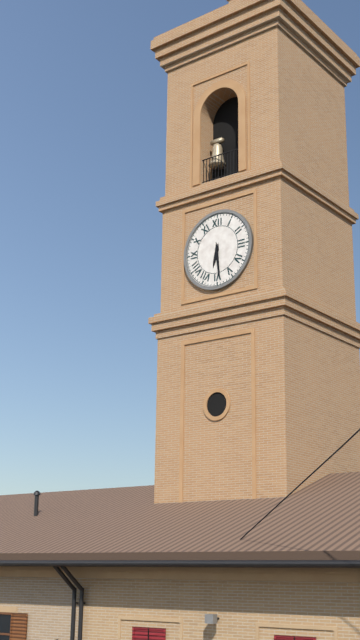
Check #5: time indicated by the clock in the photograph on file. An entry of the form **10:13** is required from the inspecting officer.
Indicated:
**6:29**
